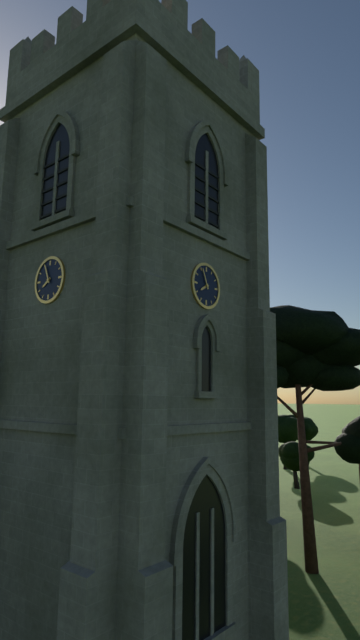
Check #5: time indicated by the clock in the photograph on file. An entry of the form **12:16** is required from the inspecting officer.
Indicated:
**7:56**
